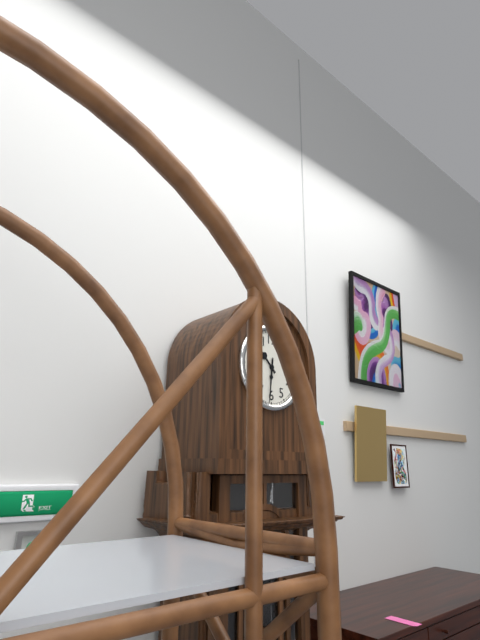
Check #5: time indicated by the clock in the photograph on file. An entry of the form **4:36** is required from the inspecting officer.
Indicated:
**10:31**
